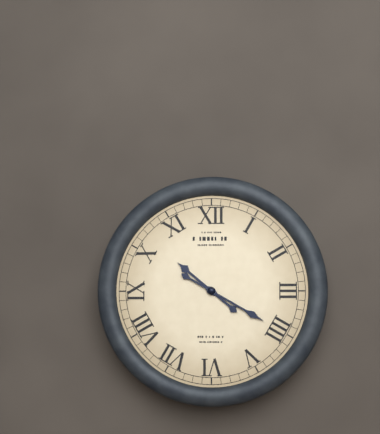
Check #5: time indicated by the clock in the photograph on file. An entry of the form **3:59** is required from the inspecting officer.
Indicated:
**10:20**
